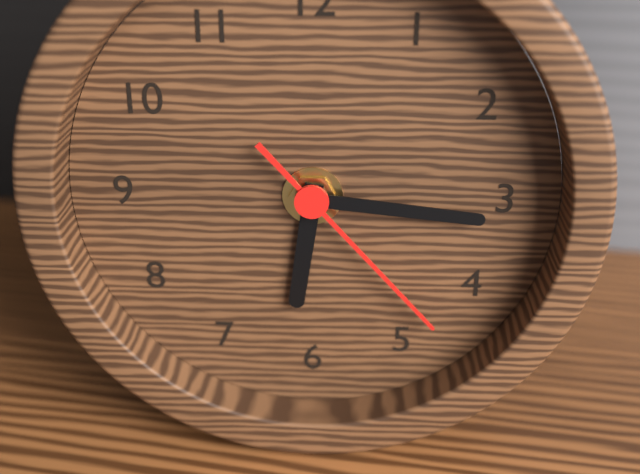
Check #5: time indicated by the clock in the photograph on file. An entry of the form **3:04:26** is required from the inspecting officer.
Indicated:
**6:16:23**
